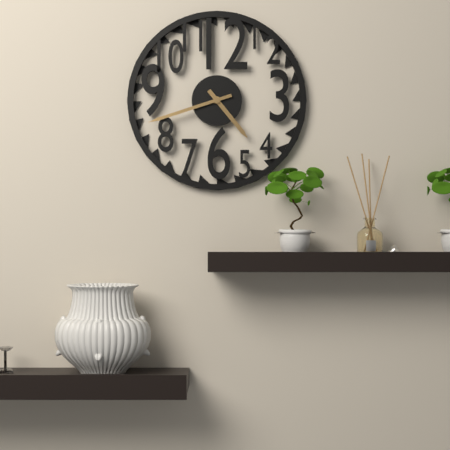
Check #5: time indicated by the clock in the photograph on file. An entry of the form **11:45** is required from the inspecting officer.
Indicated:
**4:42**
